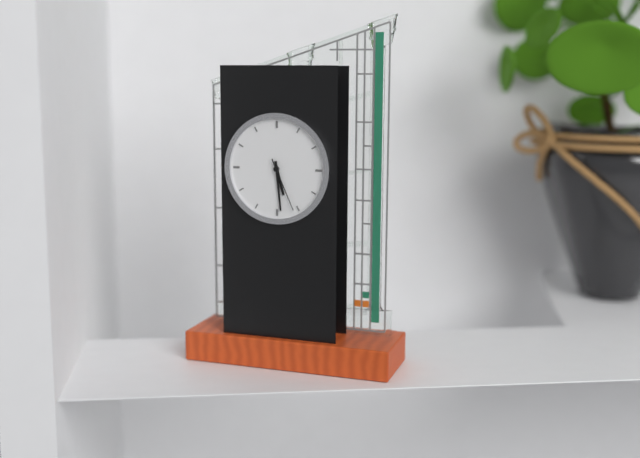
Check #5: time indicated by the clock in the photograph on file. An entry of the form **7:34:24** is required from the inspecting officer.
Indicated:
**5:29:26**
